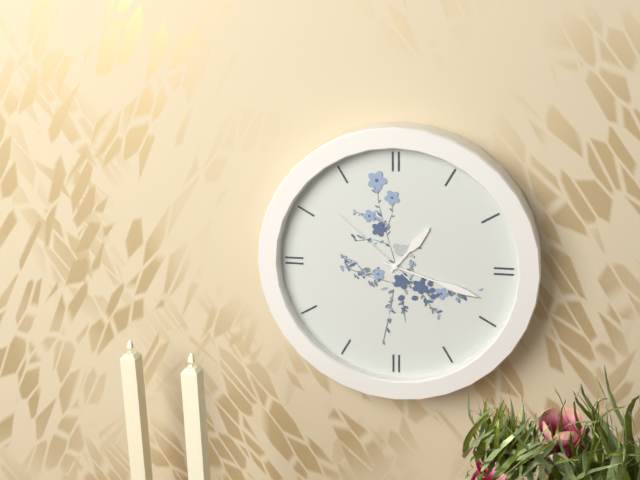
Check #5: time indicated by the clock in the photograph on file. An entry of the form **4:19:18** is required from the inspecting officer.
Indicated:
**1:18:52**
